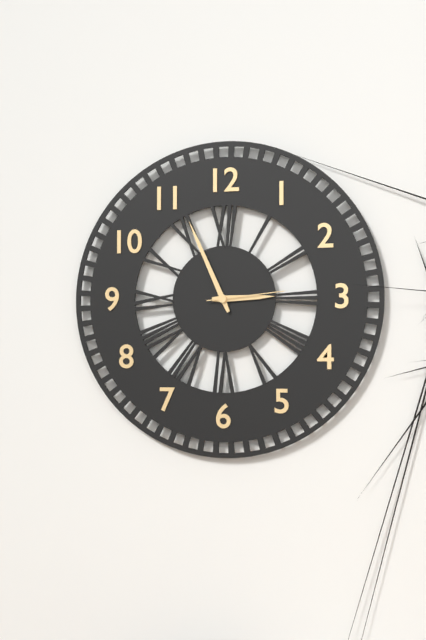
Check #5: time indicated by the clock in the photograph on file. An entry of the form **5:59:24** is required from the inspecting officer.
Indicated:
**2:56:14**
